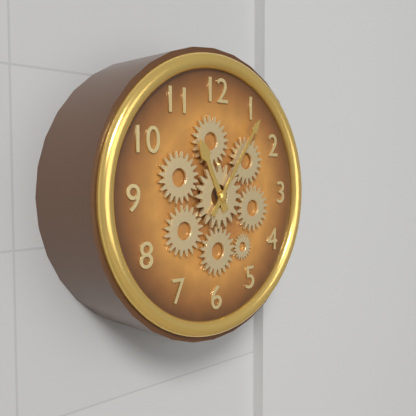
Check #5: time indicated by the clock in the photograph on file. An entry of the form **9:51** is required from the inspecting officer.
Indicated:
**11:06**
